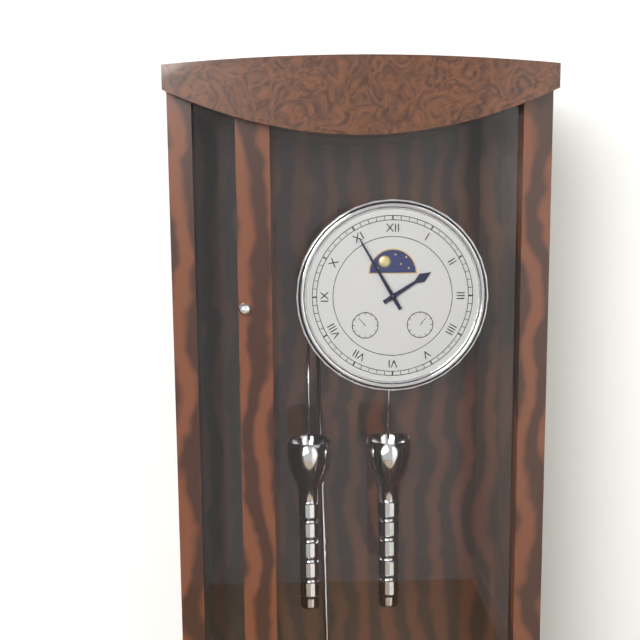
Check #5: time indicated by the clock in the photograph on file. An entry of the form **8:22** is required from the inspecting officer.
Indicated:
**1:55**
